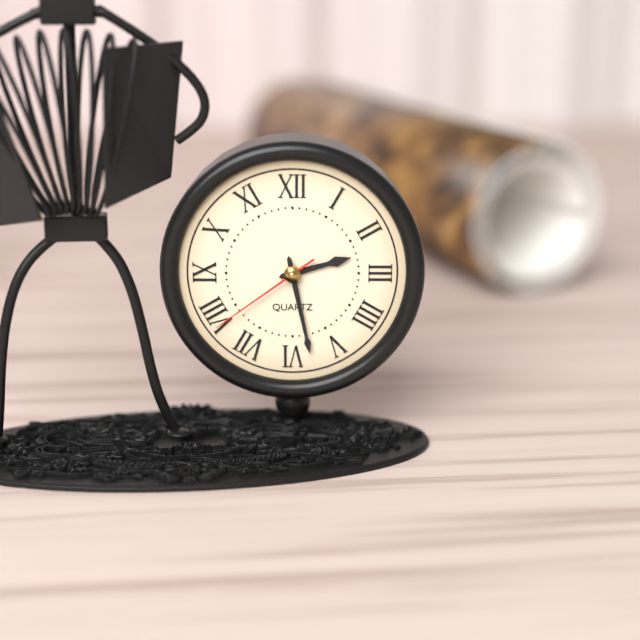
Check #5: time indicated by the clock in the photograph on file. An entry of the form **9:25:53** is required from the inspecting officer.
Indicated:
**2:28:39**
